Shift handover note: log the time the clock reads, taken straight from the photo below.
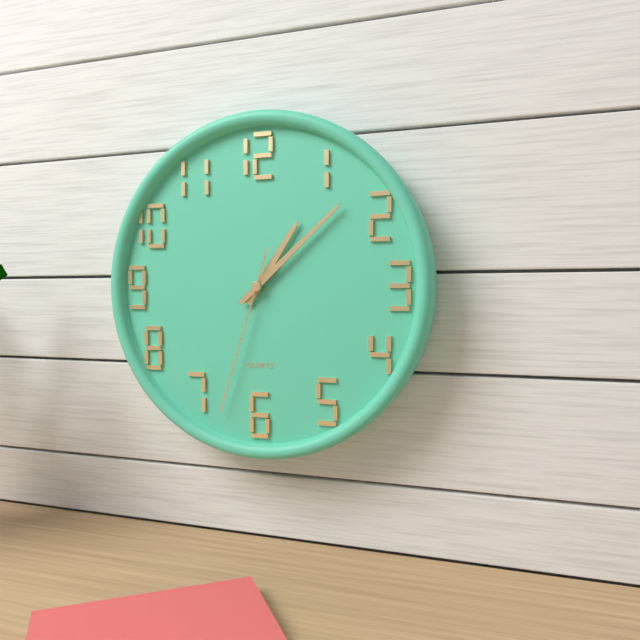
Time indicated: 1:08:33
